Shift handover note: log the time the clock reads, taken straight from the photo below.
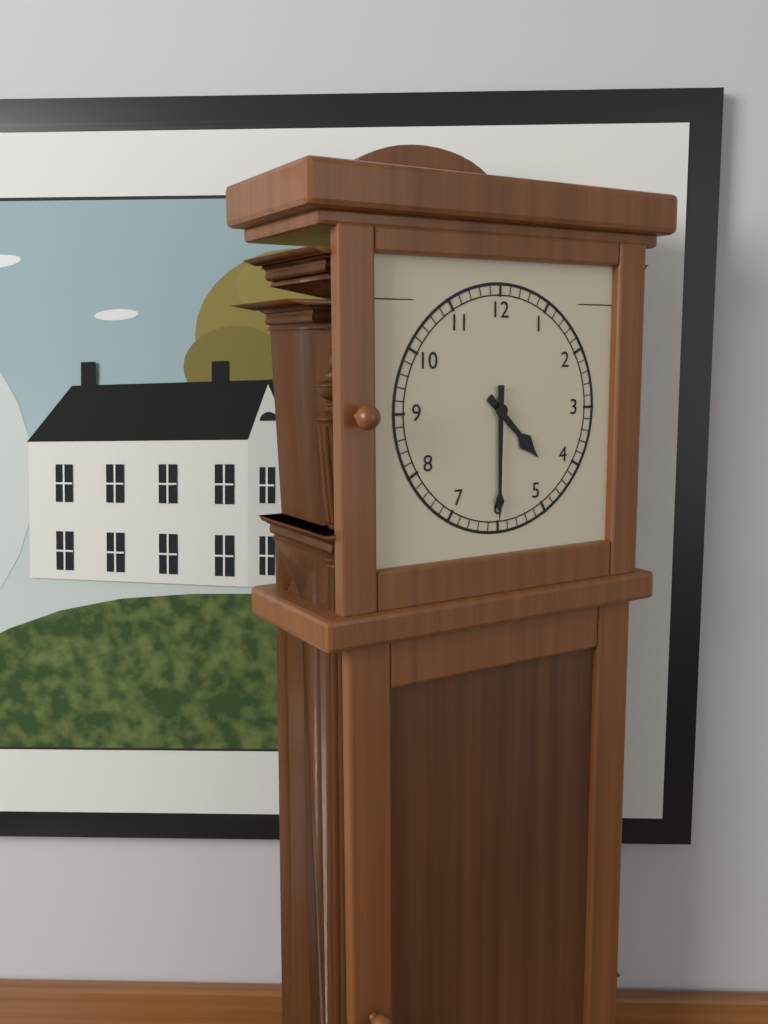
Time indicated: 4:30
